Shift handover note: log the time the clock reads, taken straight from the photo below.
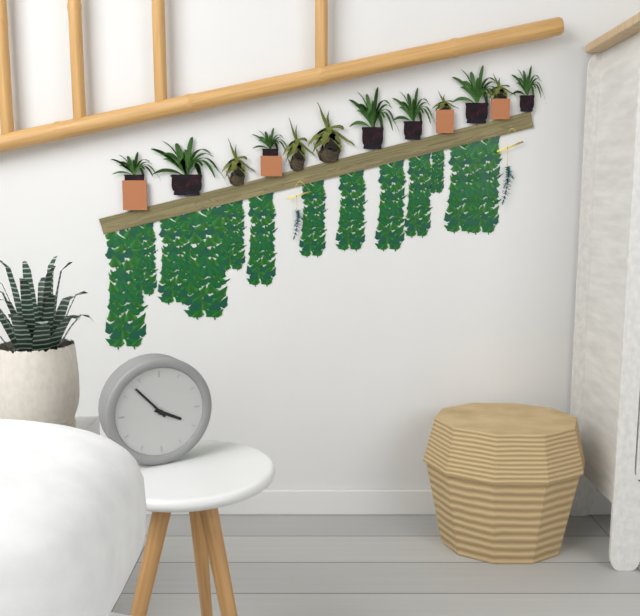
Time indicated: 3:53
